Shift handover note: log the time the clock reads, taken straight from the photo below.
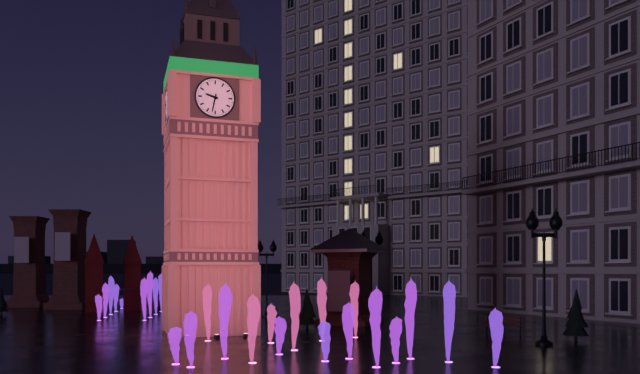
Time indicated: 9:32
